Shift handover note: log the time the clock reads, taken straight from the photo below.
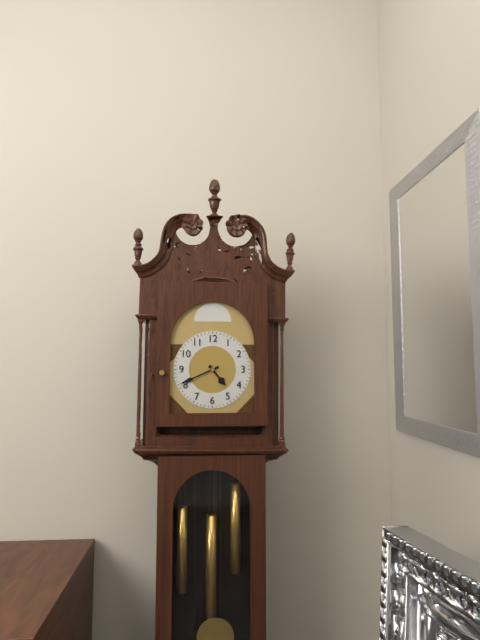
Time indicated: 4:41
